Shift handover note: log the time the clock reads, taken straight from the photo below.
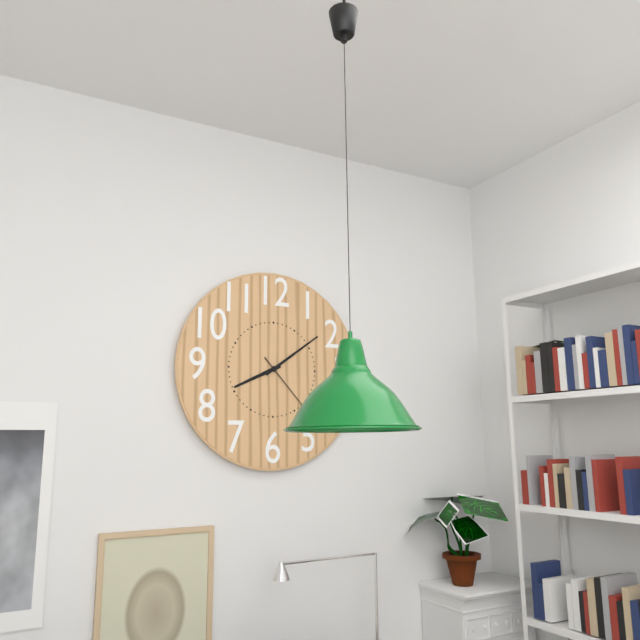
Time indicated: 8:09
